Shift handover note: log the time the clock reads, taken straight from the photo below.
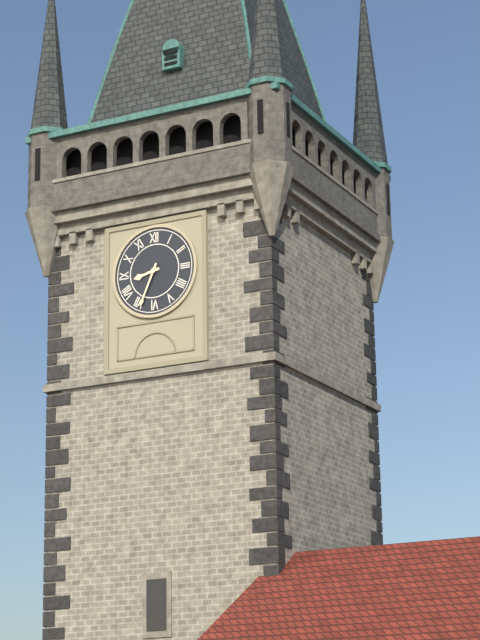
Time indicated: 8:34
